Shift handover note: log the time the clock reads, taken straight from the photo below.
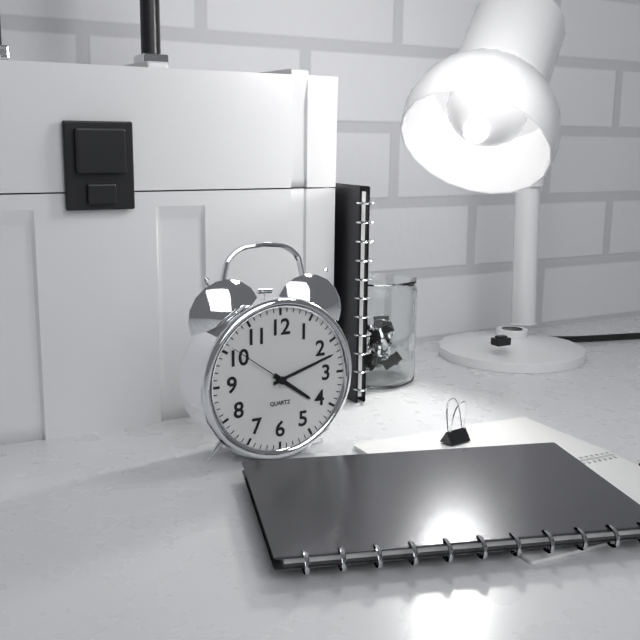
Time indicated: 4:12:51
